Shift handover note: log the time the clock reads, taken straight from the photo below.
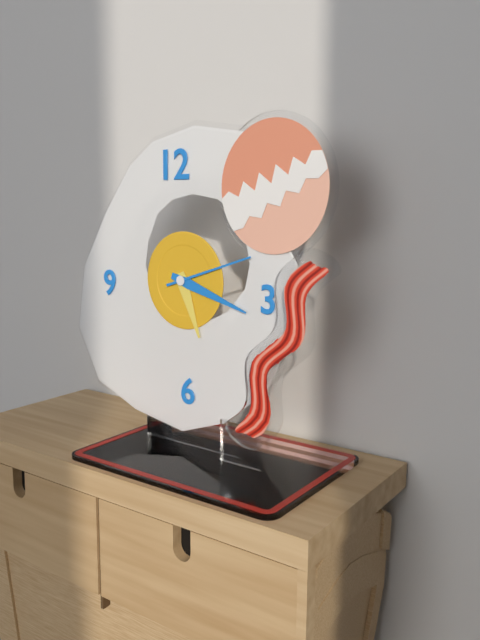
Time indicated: 5:18:12
